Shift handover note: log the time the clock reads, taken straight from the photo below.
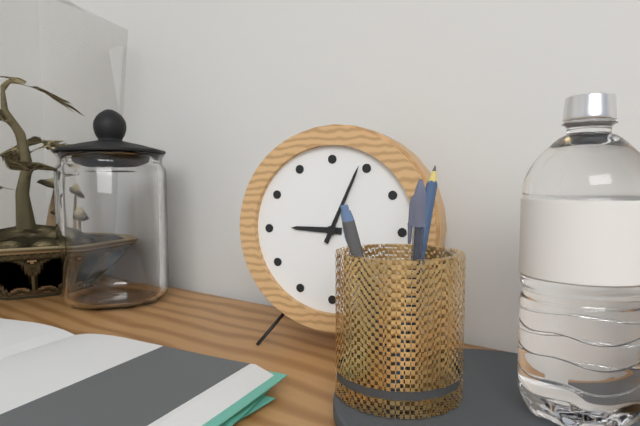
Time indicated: 9:04
